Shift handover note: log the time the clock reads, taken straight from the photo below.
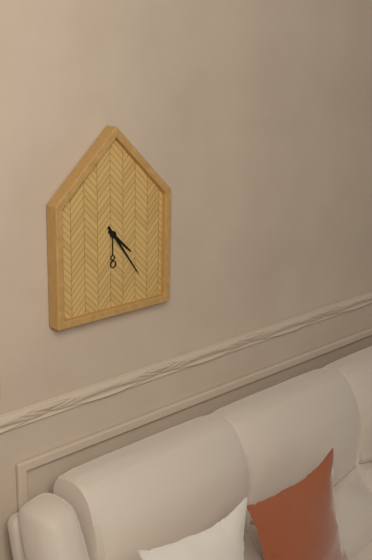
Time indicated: 4:24
